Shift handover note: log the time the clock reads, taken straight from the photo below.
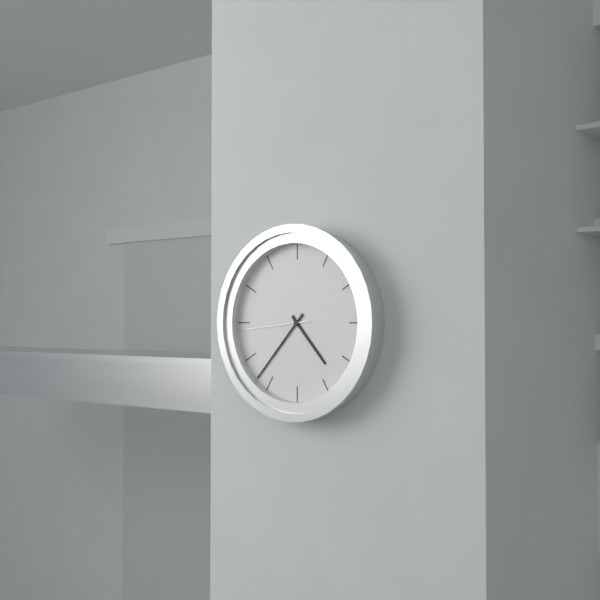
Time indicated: 4:37:44
